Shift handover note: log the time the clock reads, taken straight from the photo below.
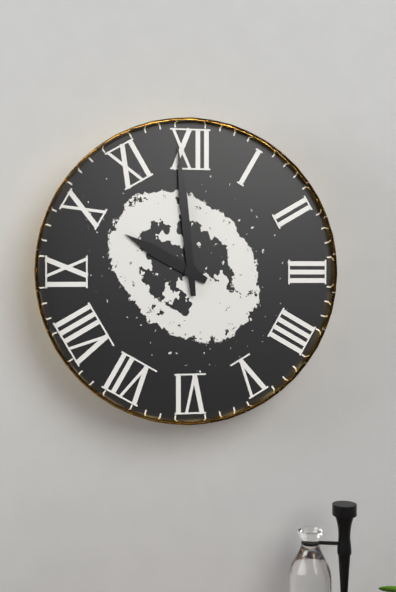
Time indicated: 9:59
